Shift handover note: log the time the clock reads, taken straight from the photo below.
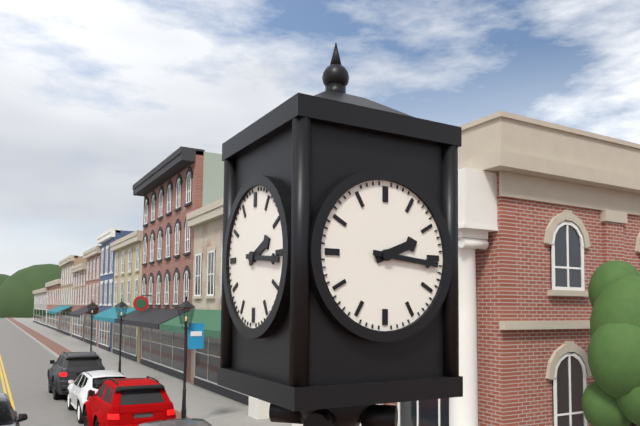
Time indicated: 2:16
